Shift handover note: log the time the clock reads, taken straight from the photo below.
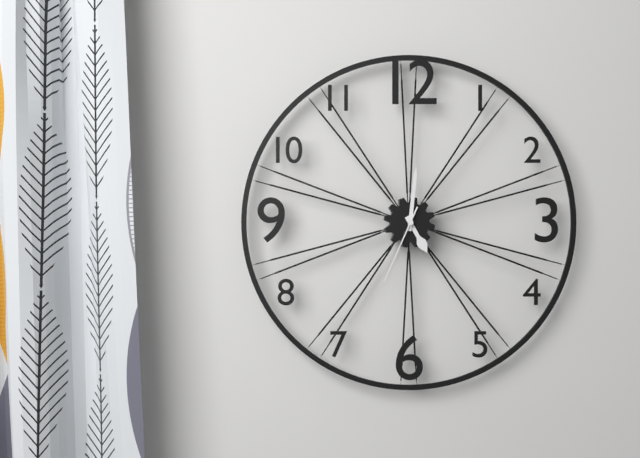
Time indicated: 5:01:34
